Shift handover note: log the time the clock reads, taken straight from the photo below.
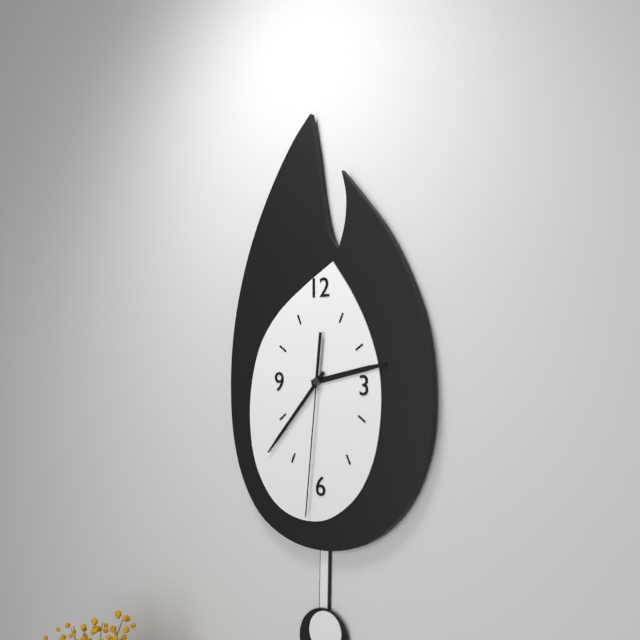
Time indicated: 2:37:31
